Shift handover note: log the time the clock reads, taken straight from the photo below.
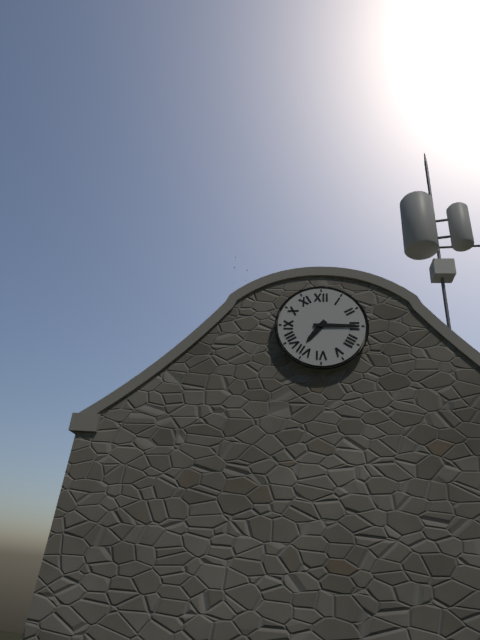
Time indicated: 7:15
